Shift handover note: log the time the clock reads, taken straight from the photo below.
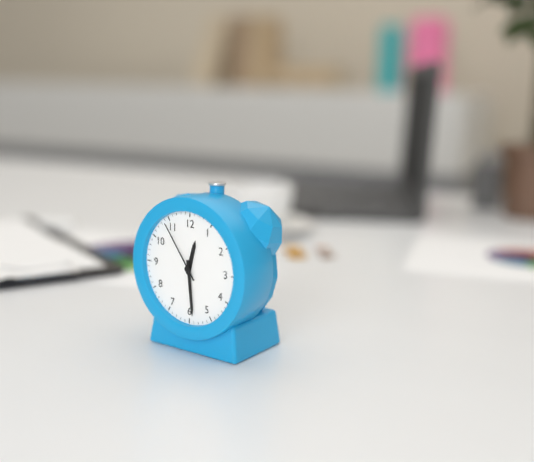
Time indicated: 12:29:54
